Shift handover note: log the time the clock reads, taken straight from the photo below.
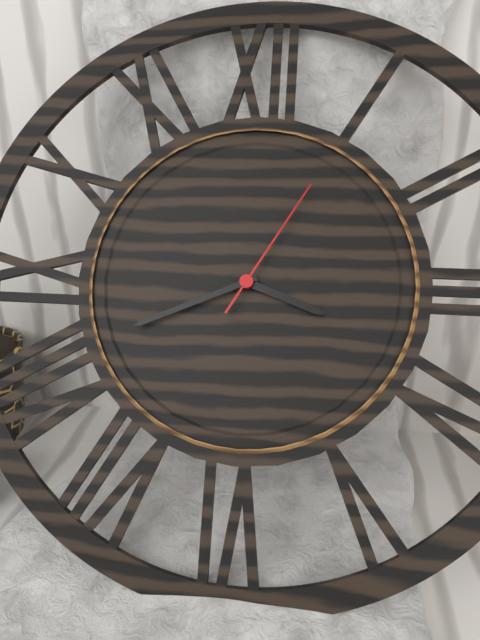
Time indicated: 3:41:05
